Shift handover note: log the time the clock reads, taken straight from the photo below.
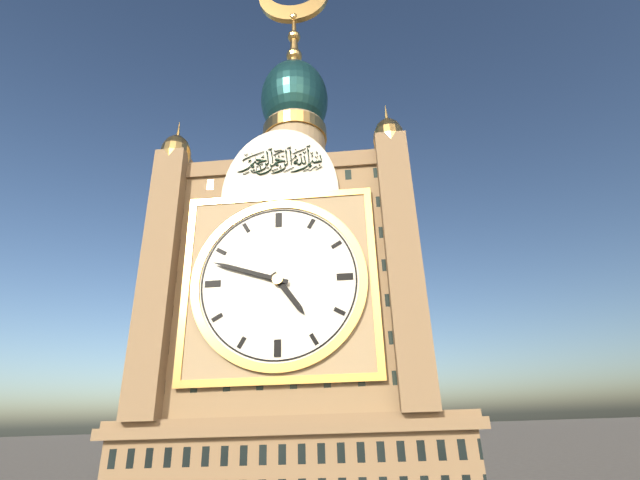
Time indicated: 4:48
